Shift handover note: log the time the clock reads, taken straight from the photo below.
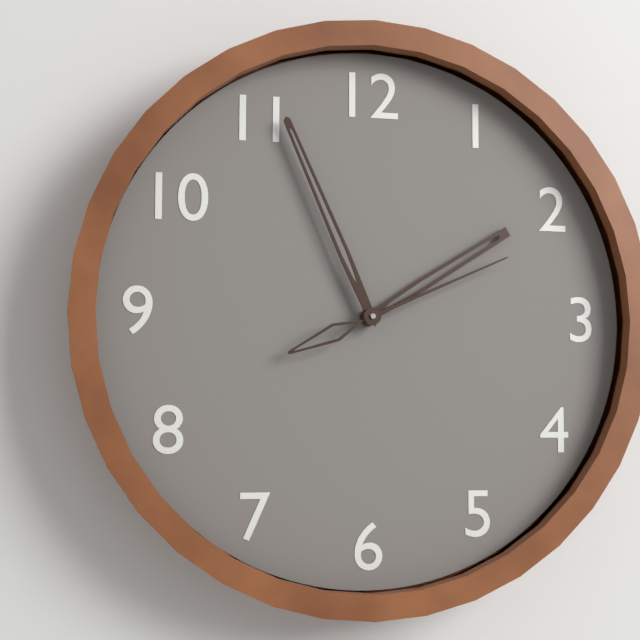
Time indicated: 1:56:11
